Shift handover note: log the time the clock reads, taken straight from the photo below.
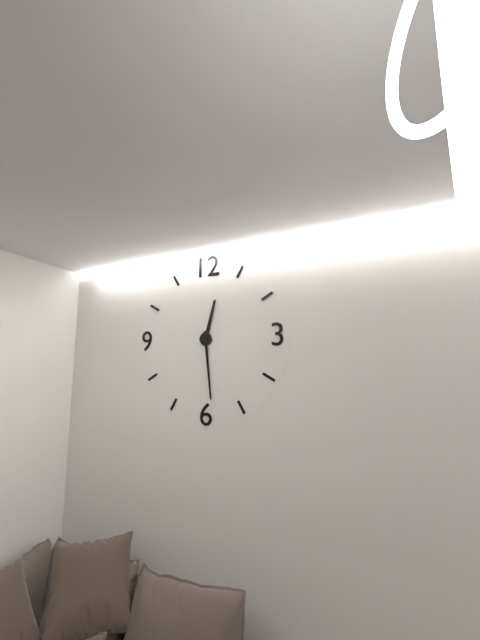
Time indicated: 12:29
